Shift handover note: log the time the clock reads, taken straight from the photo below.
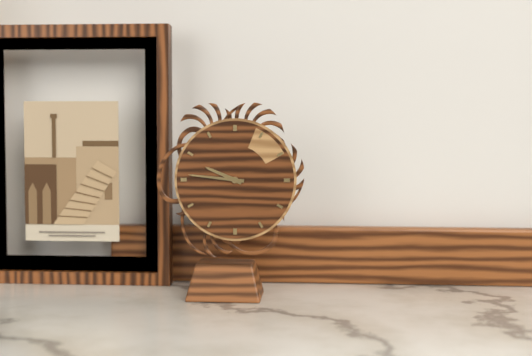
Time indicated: 9:46
